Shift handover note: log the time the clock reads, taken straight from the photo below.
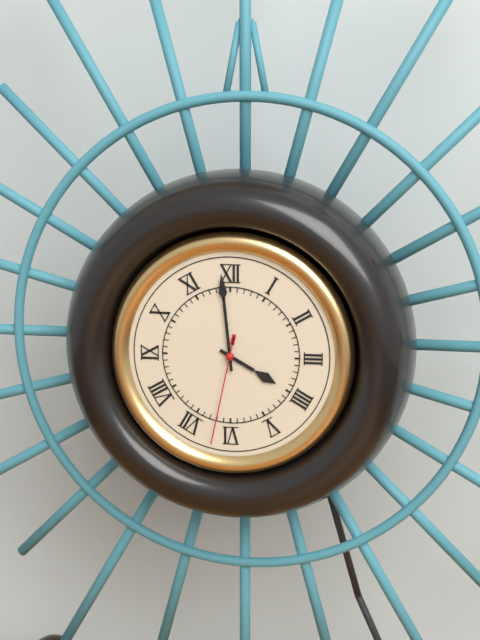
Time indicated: 3:59:32
